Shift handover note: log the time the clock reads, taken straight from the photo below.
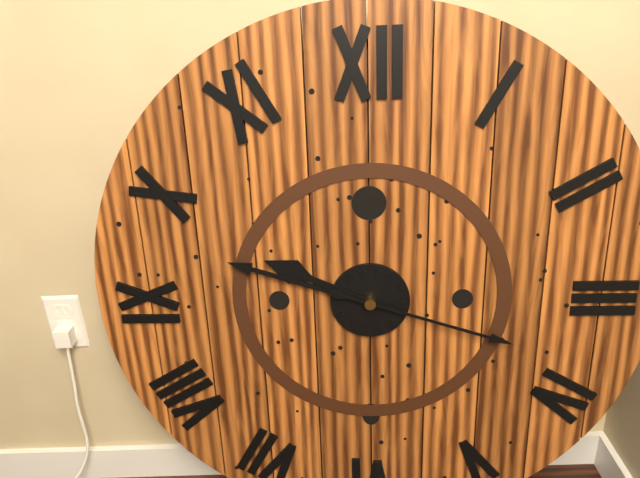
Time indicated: 9:48:18
